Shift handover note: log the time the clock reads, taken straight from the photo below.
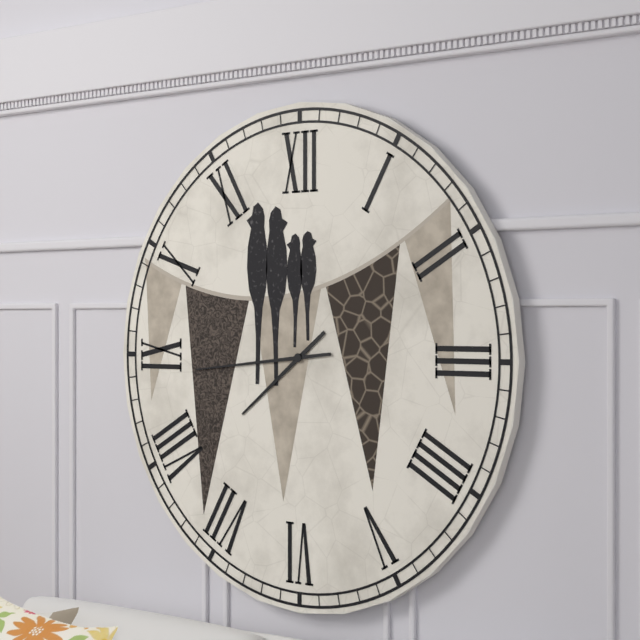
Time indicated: 7:44
